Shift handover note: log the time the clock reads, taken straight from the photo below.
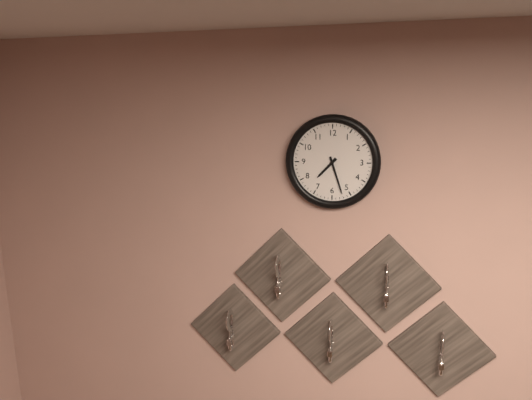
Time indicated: 7:27
